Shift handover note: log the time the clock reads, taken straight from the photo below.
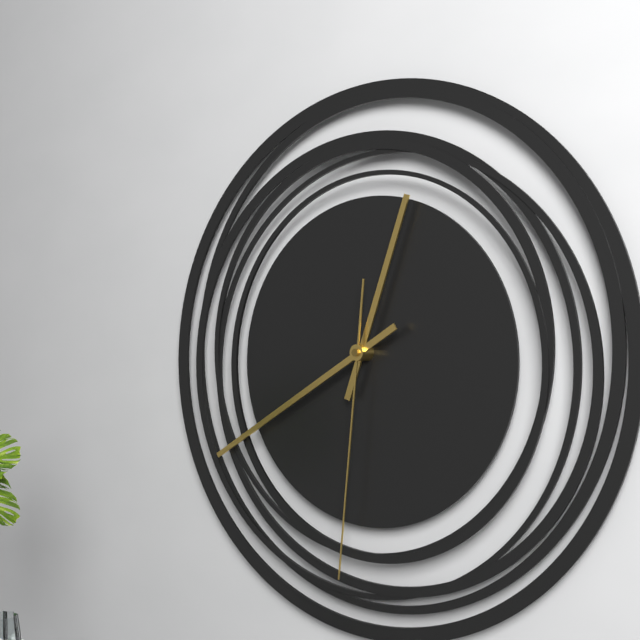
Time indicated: 12:40:31
